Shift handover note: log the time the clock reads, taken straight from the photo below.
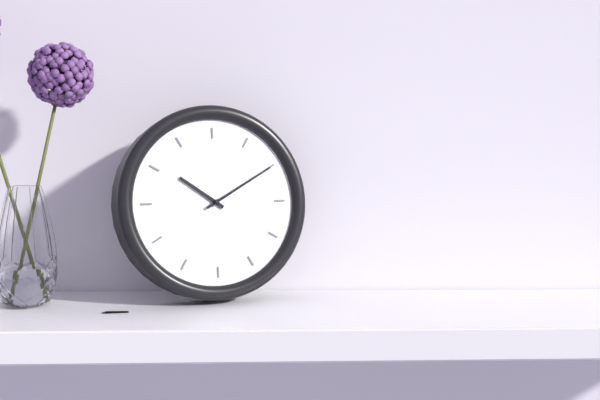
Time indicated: 10:10
